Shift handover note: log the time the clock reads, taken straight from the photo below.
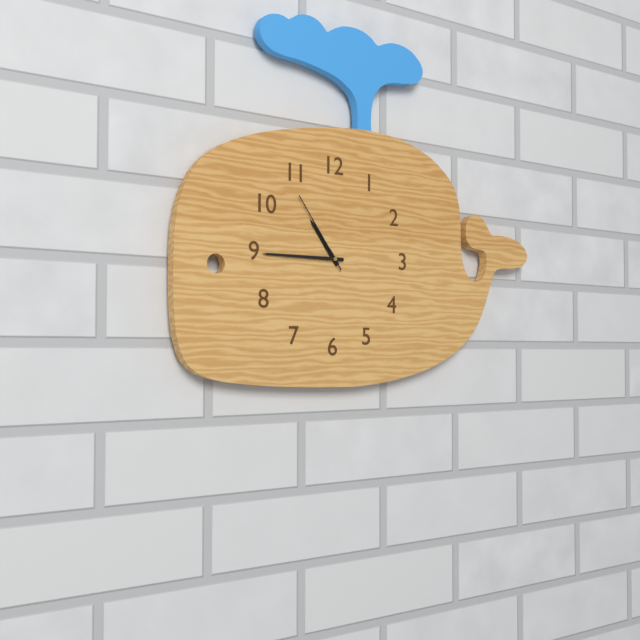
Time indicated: 10:45:54
